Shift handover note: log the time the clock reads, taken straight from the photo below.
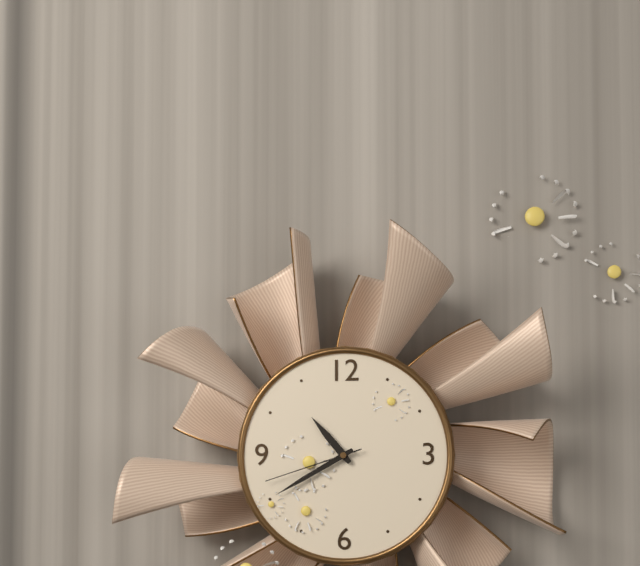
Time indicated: 10:40:42
